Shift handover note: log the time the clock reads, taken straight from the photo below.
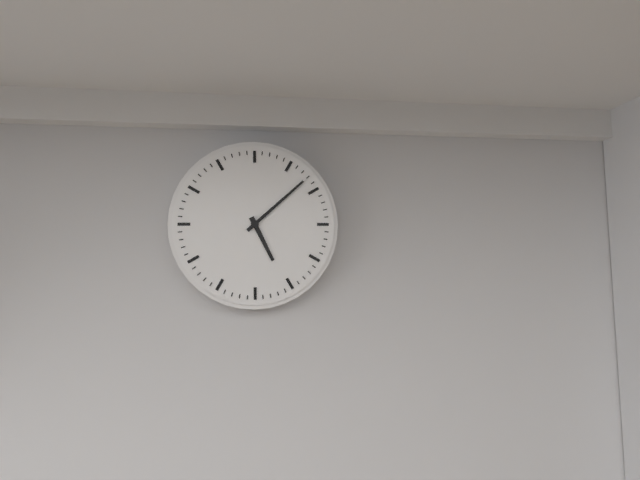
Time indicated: 5:08
